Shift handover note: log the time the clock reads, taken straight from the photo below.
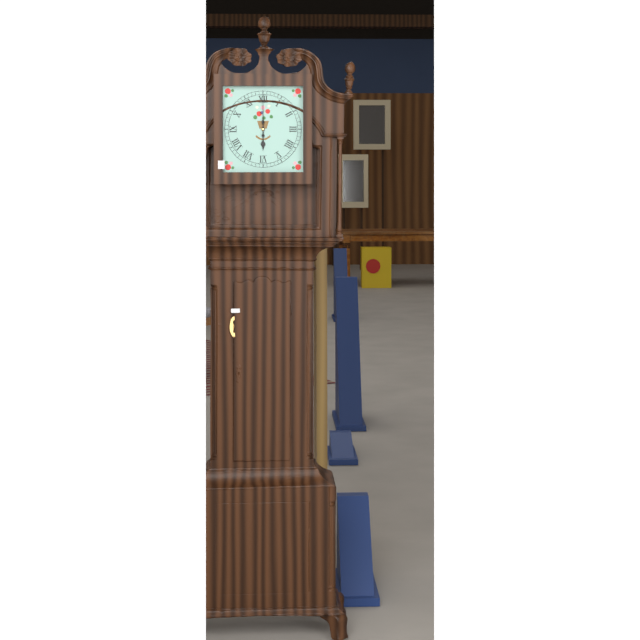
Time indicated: 6:00
